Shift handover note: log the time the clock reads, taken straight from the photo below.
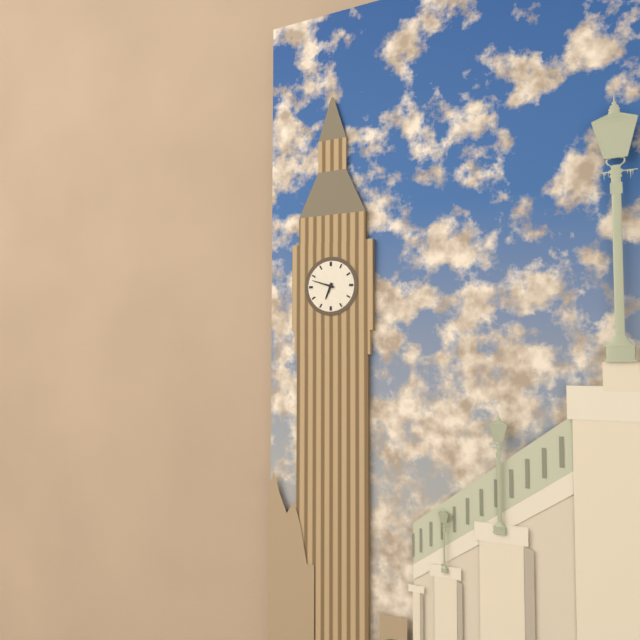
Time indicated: 6:48
